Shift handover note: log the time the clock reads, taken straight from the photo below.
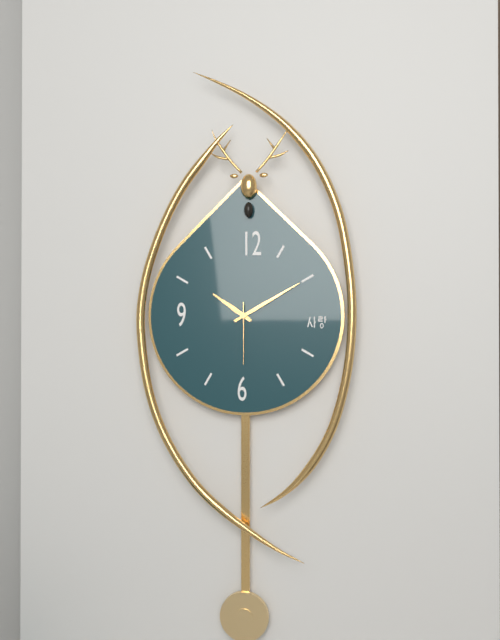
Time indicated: 10:10:30
